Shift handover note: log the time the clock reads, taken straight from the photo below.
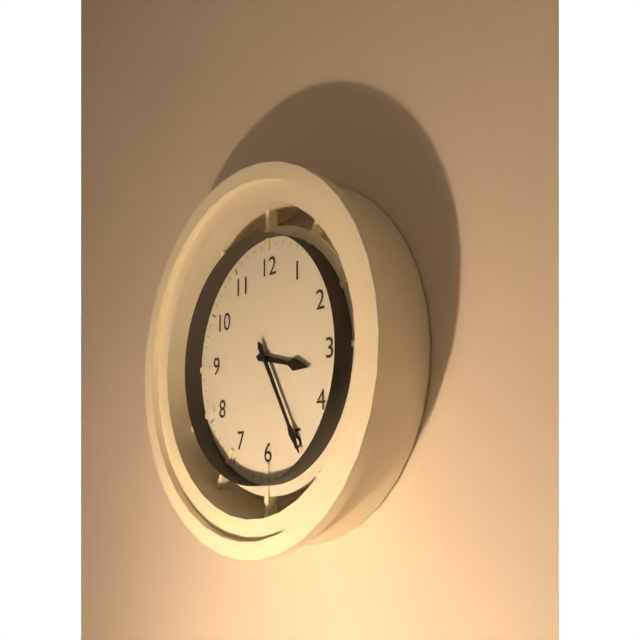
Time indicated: 3:25
